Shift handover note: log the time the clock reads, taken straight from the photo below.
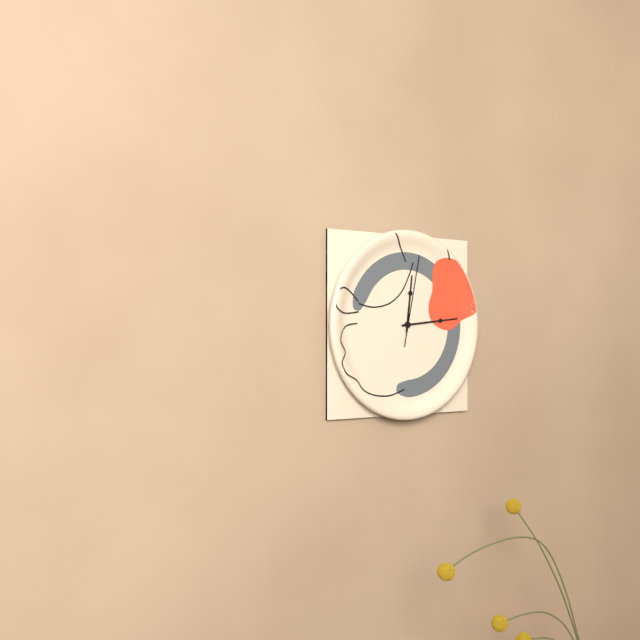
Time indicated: 12:14:02
